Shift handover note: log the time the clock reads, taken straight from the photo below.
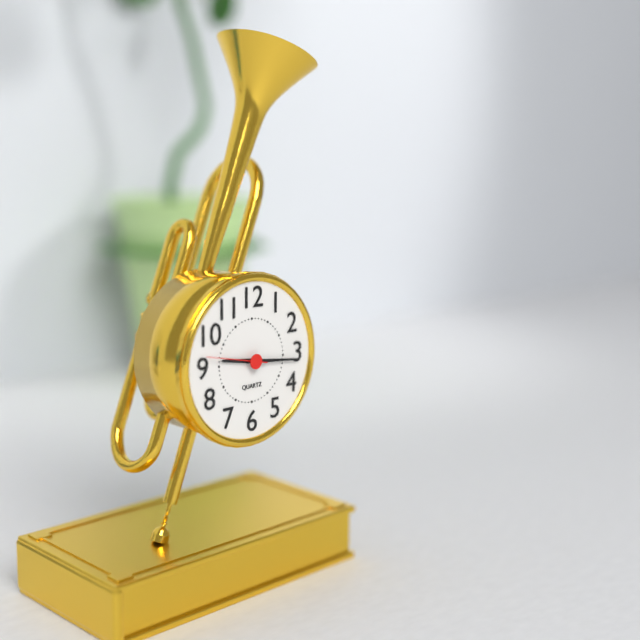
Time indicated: 9:16:47
